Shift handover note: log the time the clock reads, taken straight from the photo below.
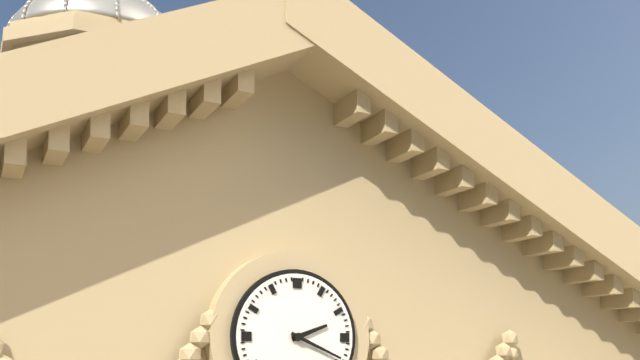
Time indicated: 2:19
